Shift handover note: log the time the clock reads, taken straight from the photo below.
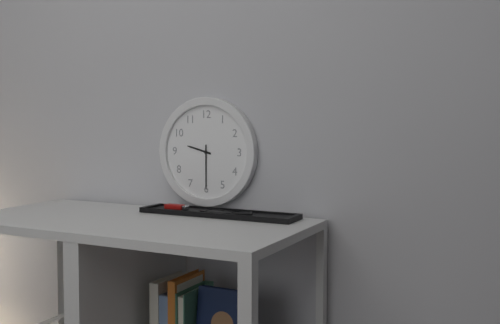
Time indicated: 9:30
